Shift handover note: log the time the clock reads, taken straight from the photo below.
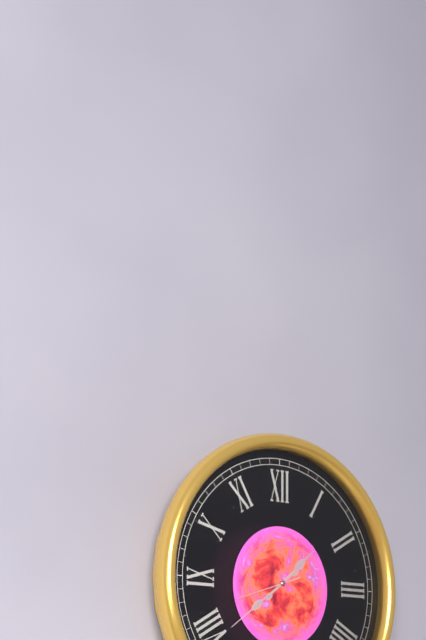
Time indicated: 1:39:42
